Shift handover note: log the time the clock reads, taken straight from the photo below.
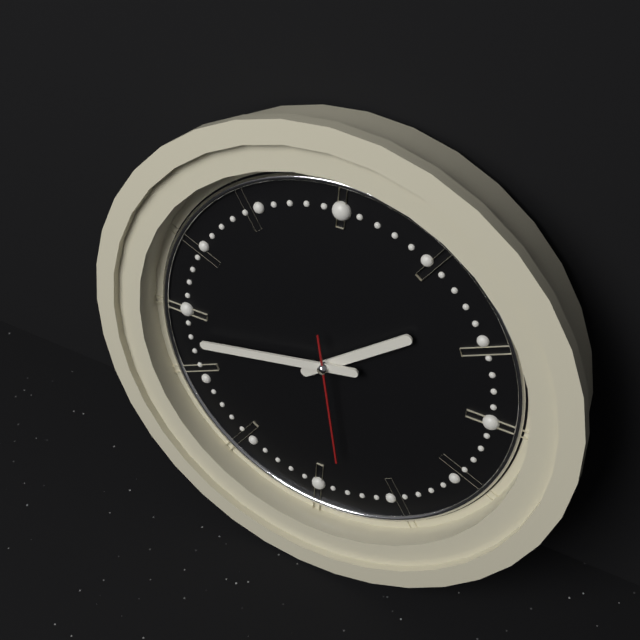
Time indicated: 1:43:28
